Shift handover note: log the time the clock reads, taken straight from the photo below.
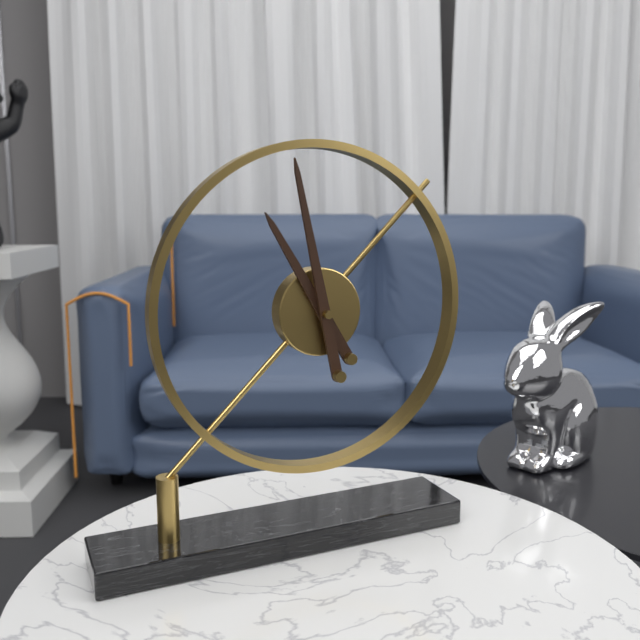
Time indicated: 10:58
